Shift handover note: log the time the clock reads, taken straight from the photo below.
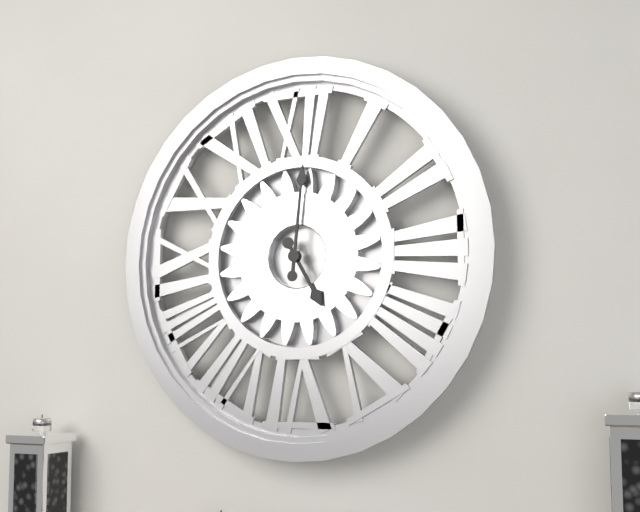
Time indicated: 5:01
